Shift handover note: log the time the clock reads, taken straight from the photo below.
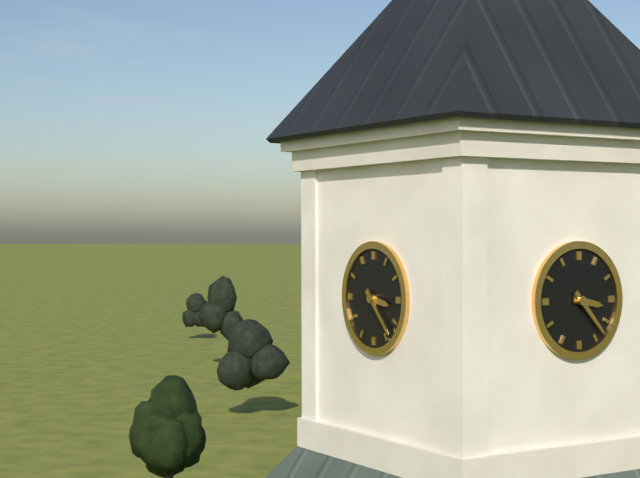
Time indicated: 3:23
